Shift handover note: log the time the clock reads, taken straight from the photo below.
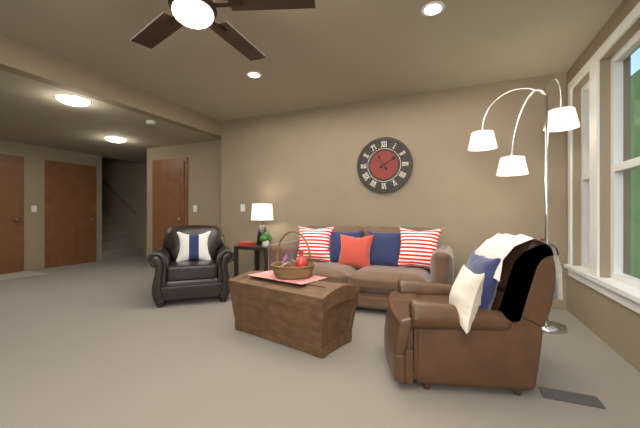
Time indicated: 1:55
